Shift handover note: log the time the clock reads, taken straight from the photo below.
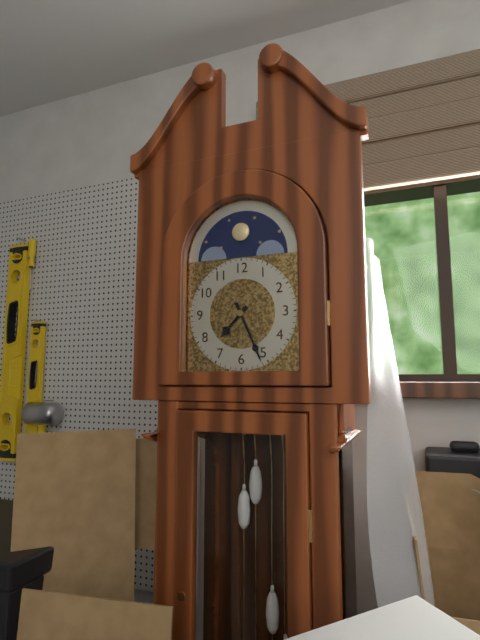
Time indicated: 7:26
